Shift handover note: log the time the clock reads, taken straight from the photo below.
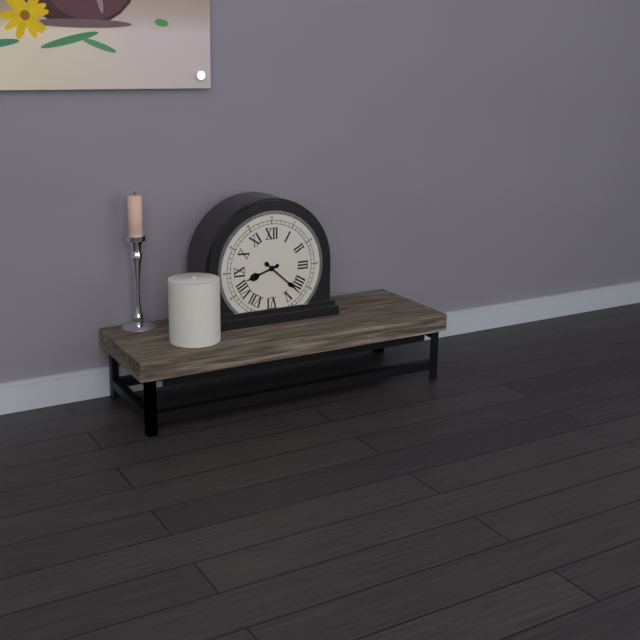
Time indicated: 8:22
